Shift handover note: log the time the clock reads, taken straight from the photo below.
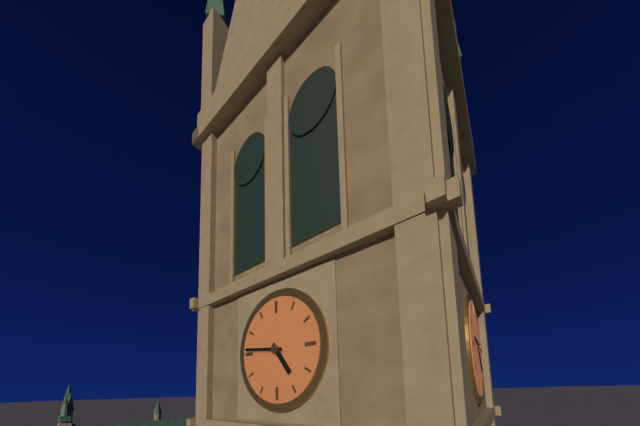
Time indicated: 4:46
